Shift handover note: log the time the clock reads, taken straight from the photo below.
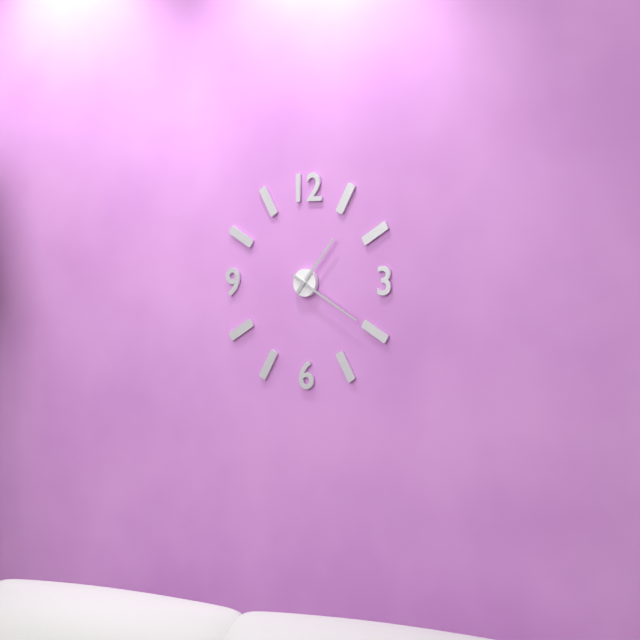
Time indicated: 1:20
